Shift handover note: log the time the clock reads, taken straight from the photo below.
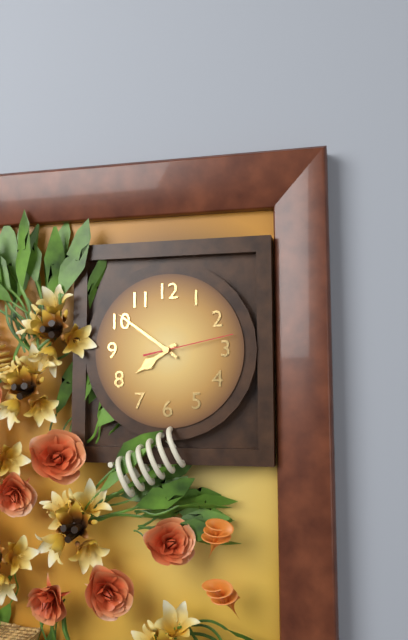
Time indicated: 7:51:13
